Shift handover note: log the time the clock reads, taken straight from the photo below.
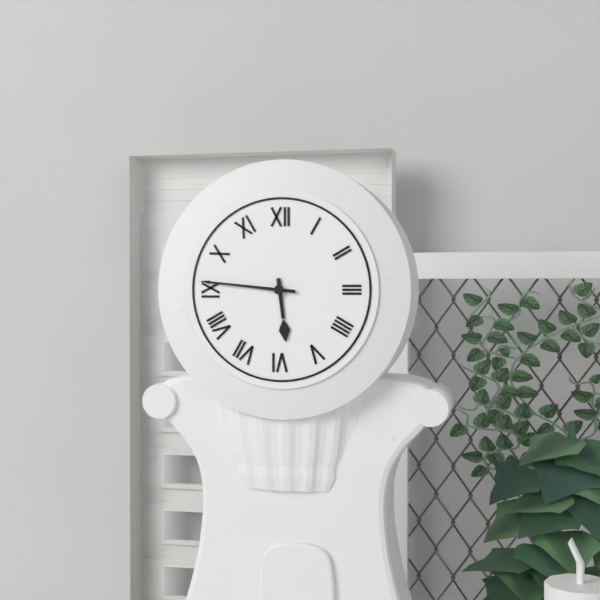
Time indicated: 5:46
